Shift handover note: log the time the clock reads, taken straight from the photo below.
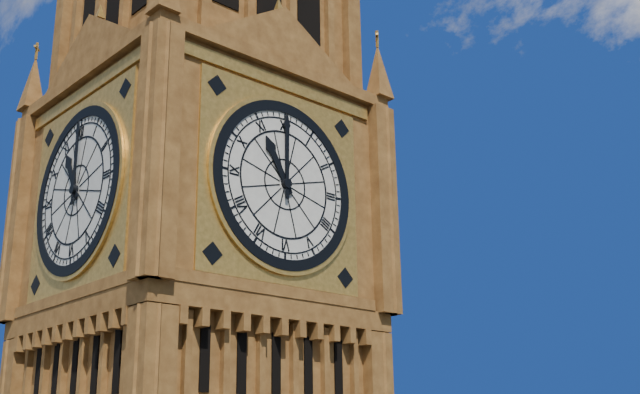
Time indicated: 11:00
